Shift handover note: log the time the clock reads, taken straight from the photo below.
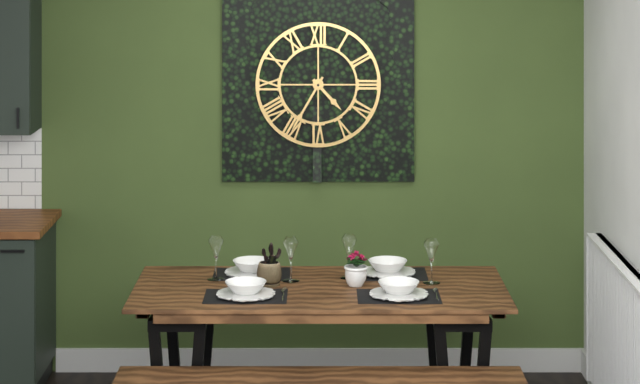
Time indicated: 4:35
